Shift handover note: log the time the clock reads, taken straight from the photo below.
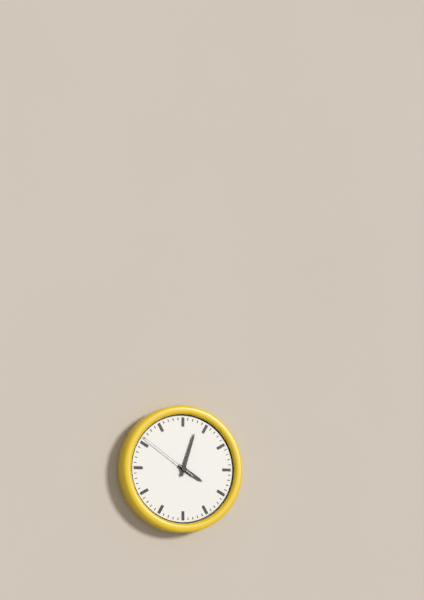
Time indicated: 4:03:51
